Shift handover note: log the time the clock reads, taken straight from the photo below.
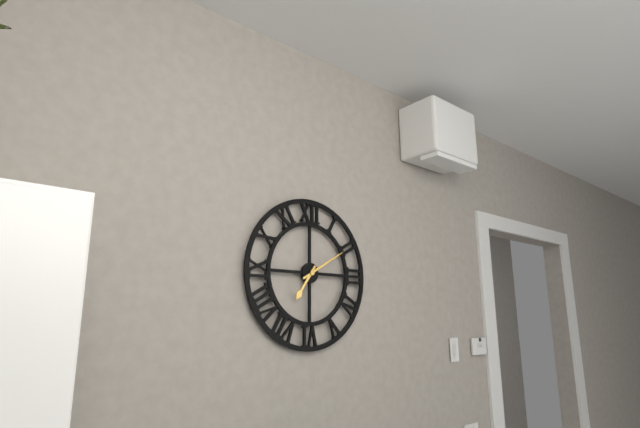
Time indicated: 7:10
